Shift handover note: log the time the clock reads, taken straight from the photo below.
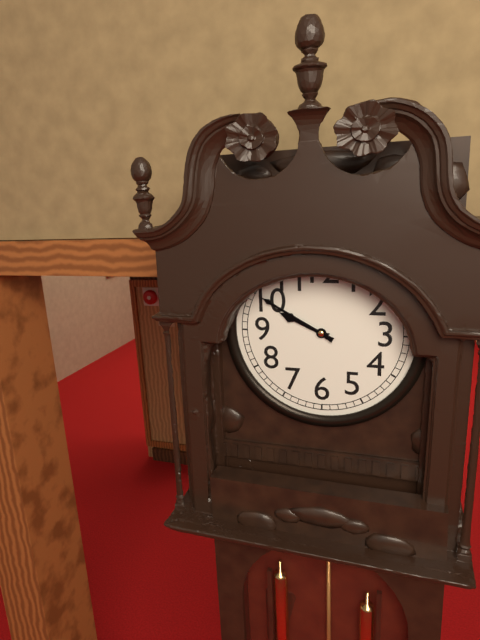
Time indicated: 9:50
